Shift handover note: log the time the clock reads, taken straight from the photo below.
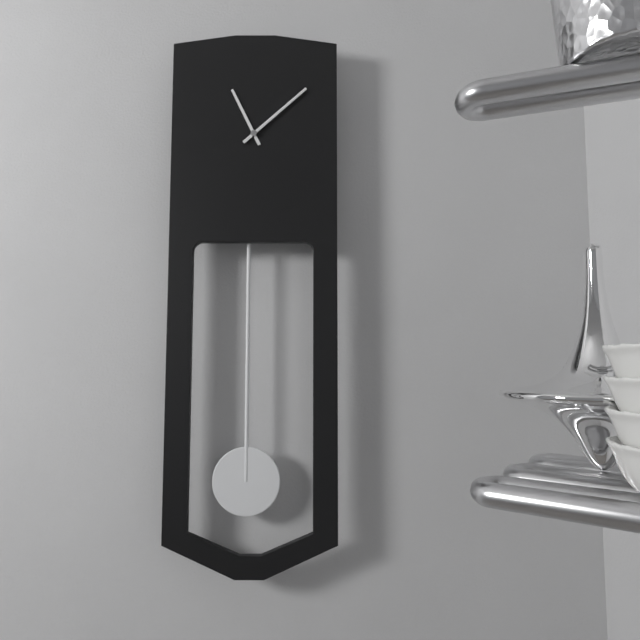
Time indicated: 11:08
